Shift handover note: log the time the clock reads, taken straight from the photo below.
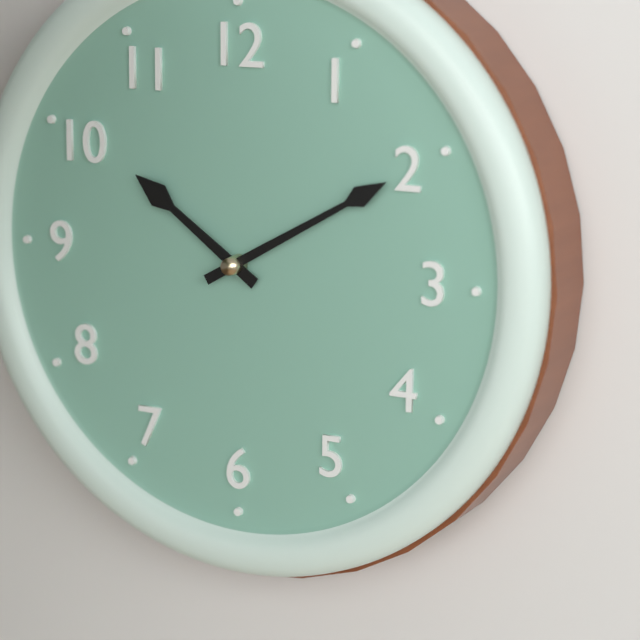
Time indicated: 10:10
